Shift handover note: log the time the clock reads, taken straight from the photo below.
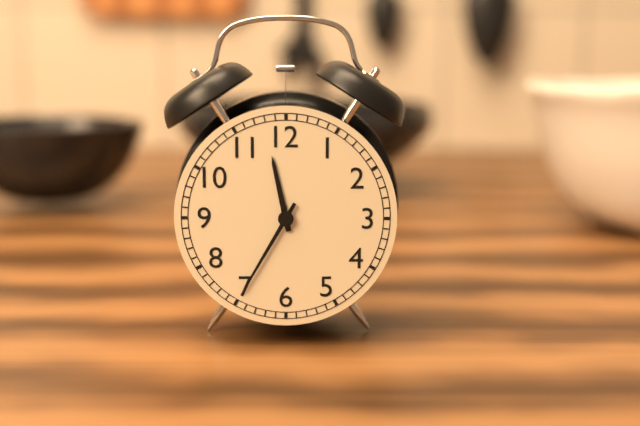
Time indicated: 11:35
